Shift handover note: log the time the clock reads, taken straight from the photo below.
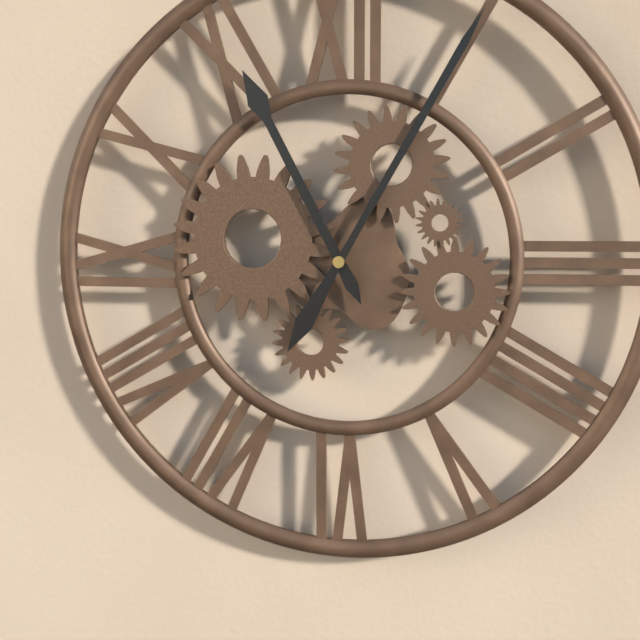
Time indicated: 11:05
